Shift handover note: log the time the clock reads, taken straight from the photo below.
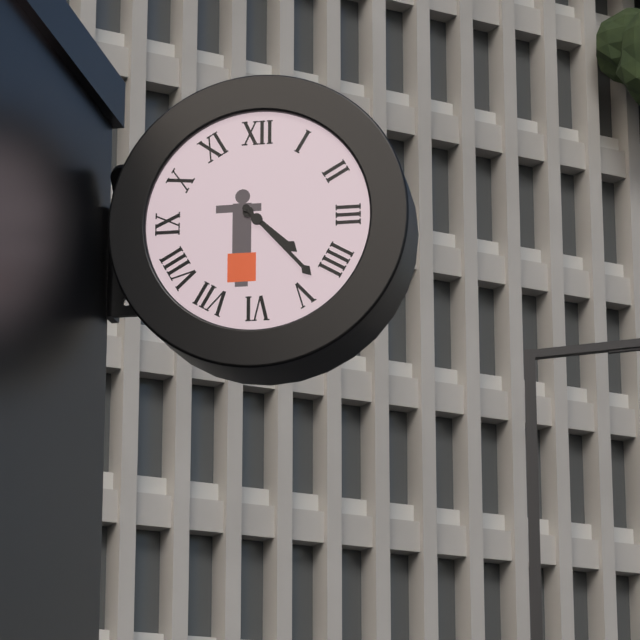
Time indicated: 4:23
